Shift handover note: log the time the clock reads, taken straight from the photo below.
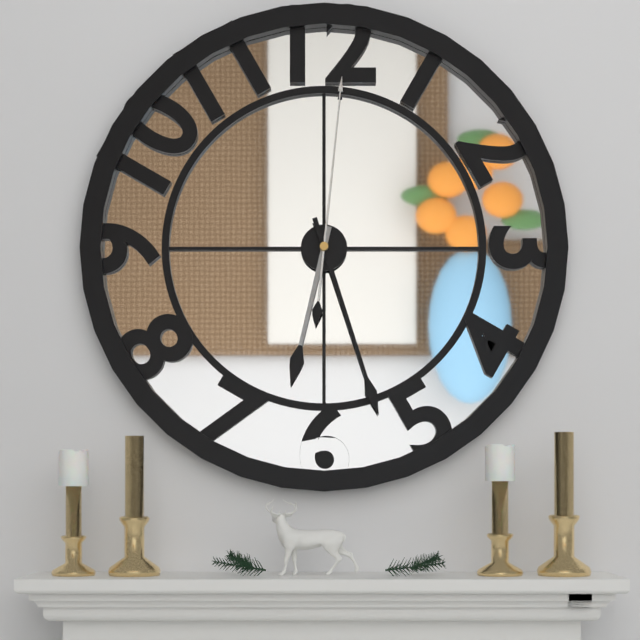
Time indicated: 6:27:01
